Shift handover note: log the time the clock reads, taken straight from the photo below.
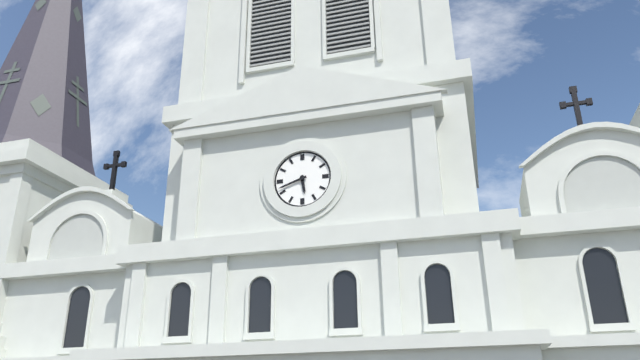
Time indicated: 5:42
